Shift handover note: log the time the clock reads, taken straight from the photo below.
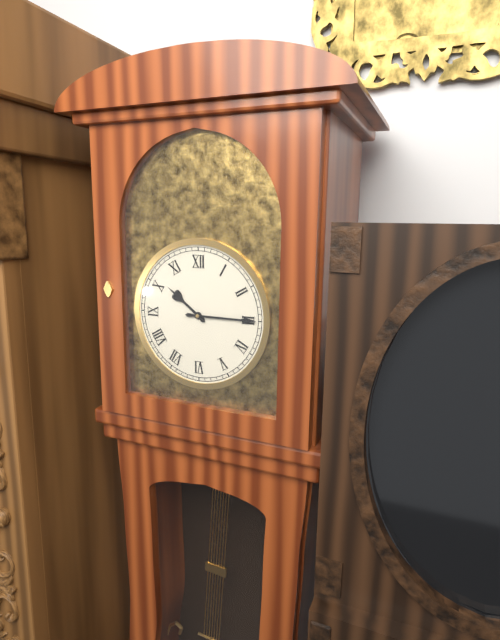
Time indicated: 10:15
